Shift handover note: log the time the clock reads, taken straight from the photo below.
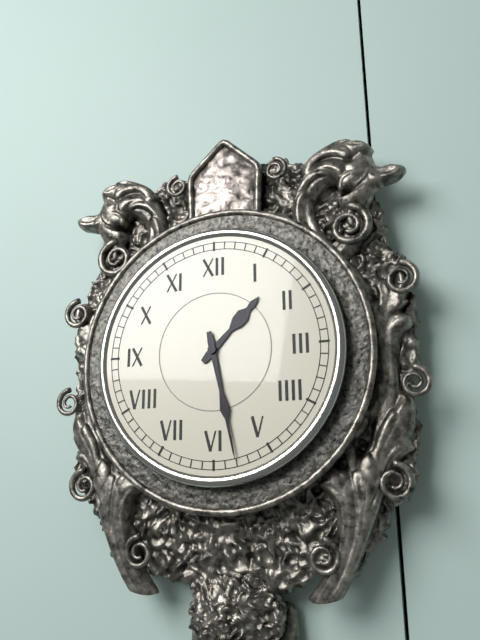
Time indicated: 1:28
